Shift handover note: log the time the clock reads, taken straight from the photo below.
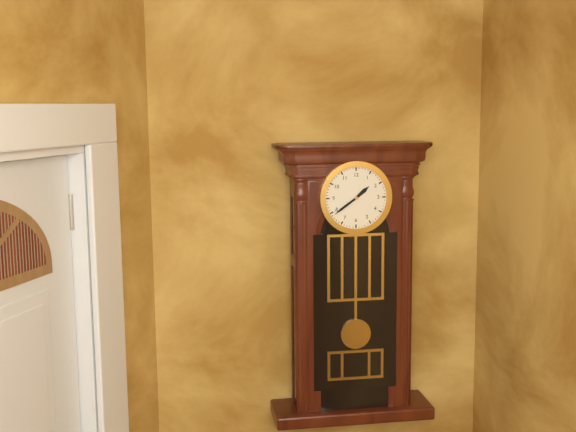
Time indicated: 1:39
